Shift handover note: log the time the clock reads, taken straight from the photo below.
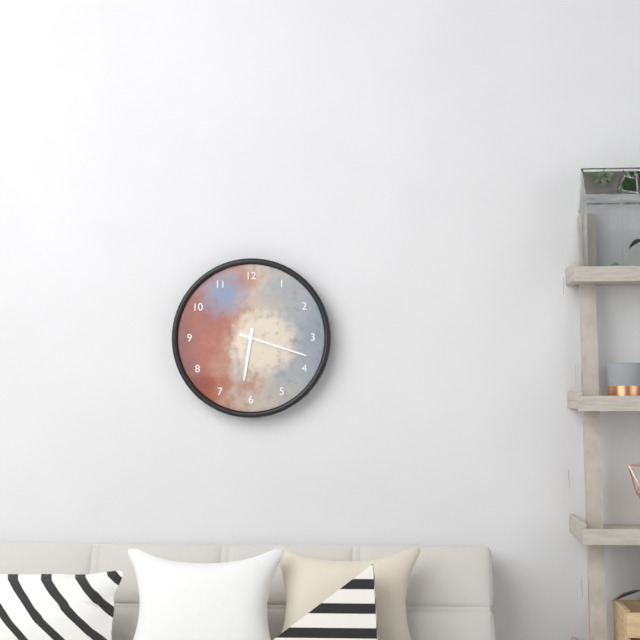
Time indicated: 6:18
